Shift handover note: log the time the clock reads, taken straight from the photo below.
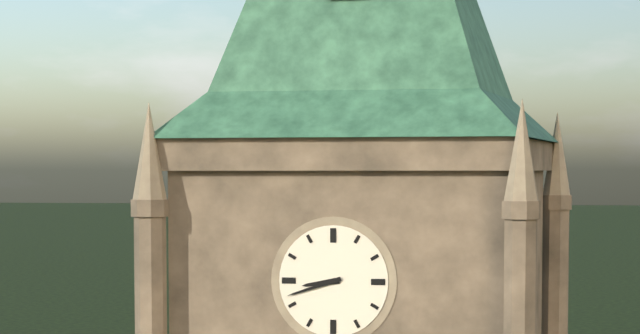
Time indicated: 8:42
